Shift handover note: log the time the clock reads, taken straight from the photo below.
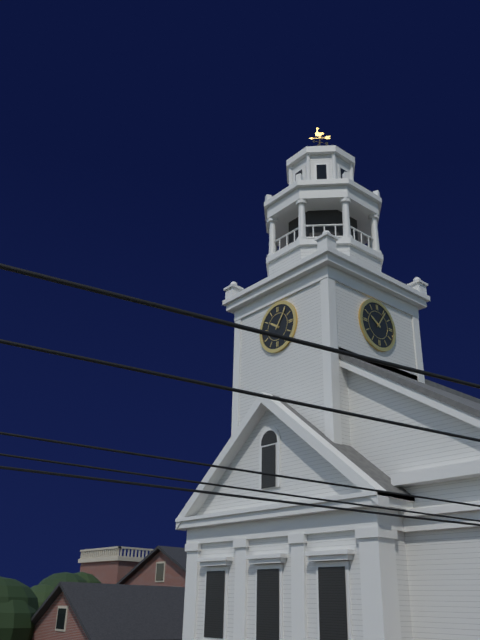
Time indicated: 10:06
